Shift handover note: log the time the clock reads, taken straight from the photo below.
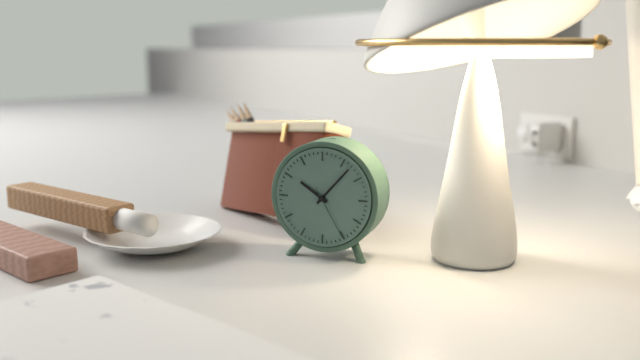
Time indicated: 10:07:25
